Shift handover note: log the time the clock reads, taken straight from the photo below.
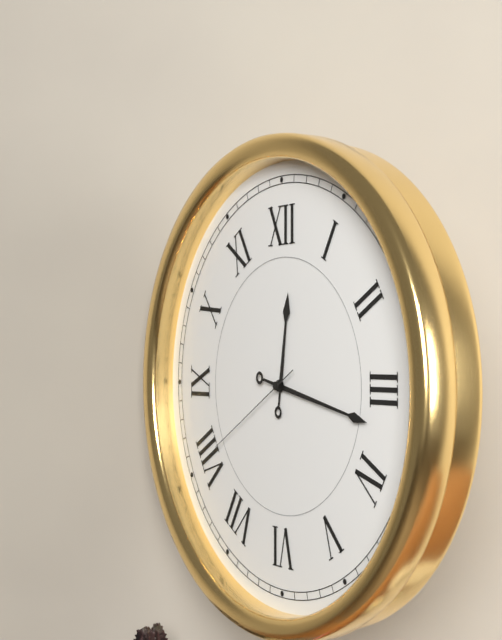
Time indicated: 12:17:40
